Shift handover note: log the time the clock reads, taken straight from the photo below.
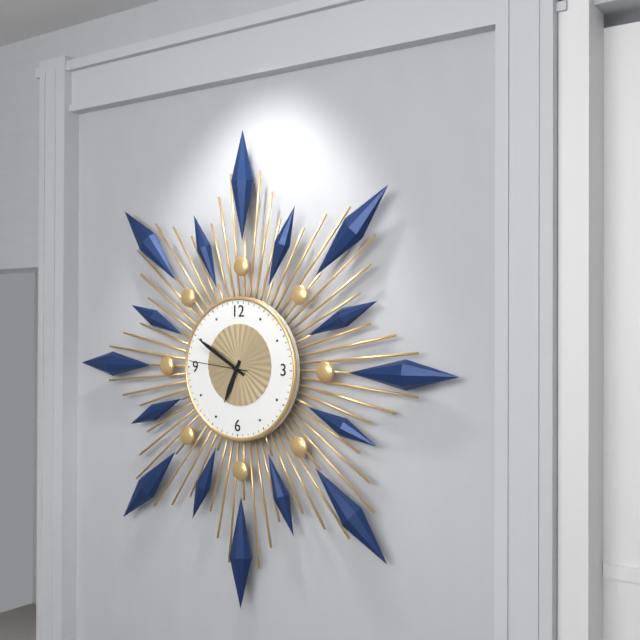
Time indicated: 6:50:46
